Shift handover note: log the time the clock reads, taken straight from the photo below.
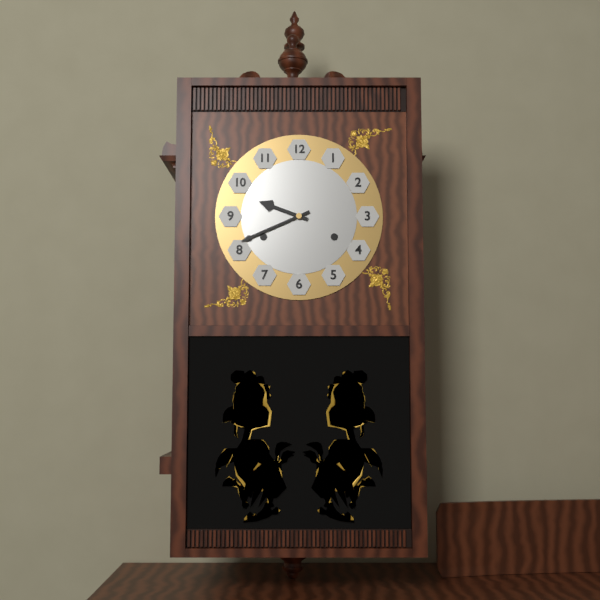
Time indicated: 9:41
